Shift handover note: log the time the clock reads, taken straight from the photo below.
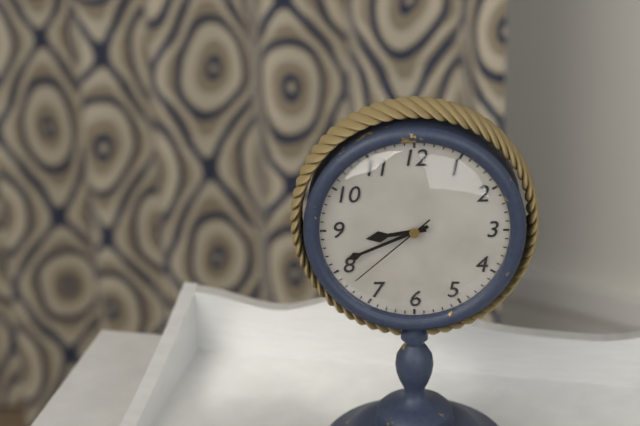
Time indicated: 8:41:38
